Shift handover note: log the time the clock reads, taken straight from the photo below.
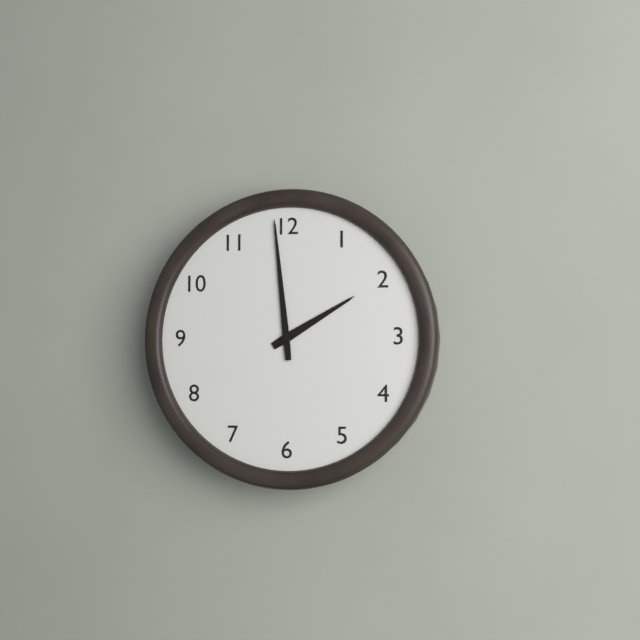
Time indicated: 1:59
